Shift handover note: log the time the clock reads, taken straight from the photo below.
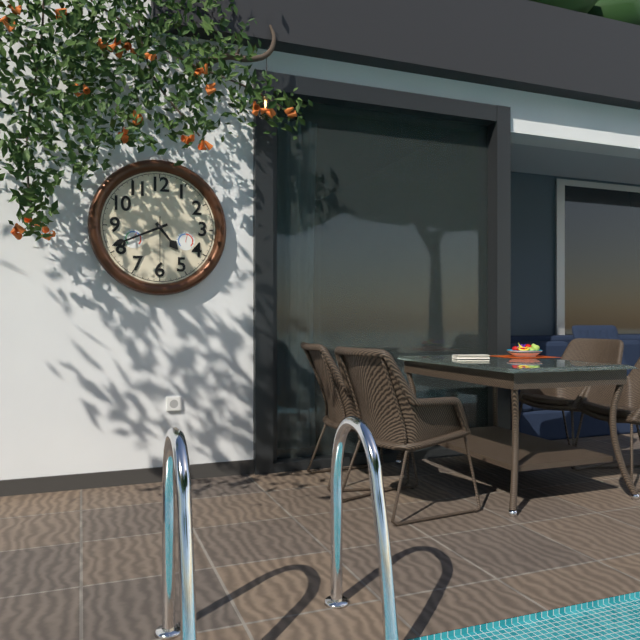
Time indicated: 4:41:30
